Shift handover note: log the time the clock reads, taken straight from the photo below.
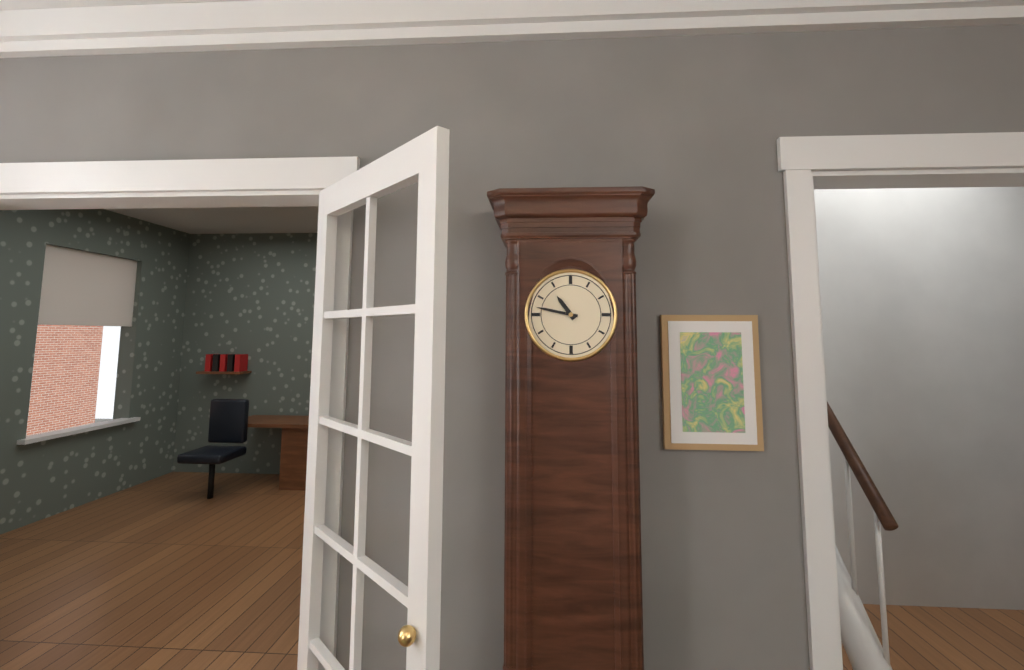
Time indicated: 10:47
